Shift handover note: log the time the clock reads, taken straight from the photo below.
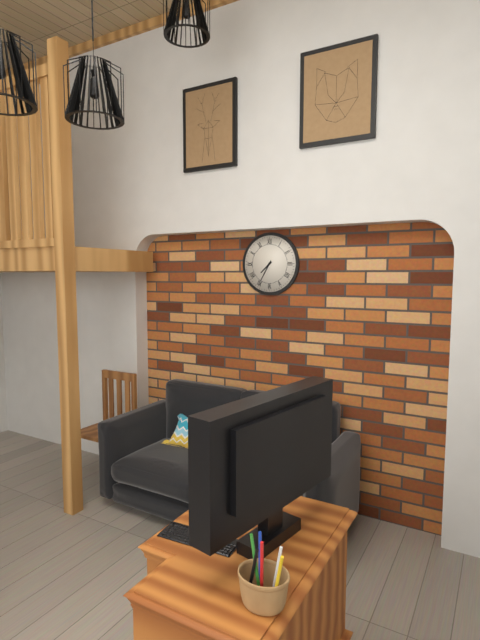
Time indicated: 7:35
